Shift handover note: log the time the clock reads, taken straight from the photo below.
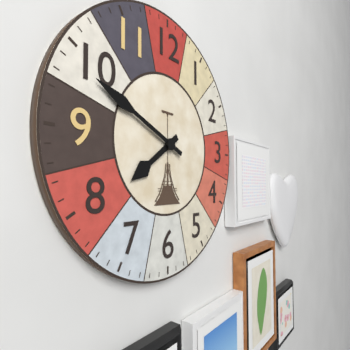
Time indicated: 7:49
